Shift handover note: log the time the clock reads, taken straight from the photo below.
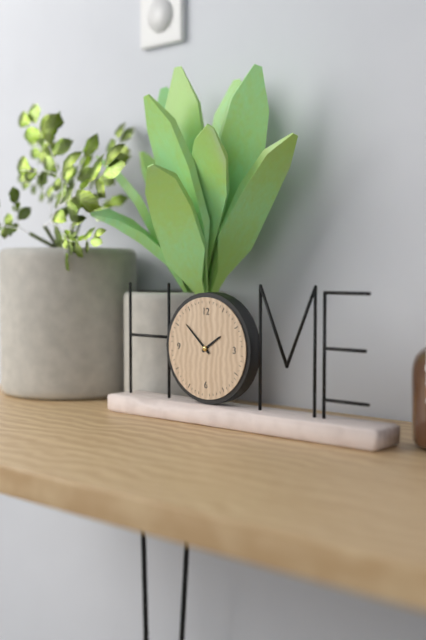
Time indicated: 1:52
